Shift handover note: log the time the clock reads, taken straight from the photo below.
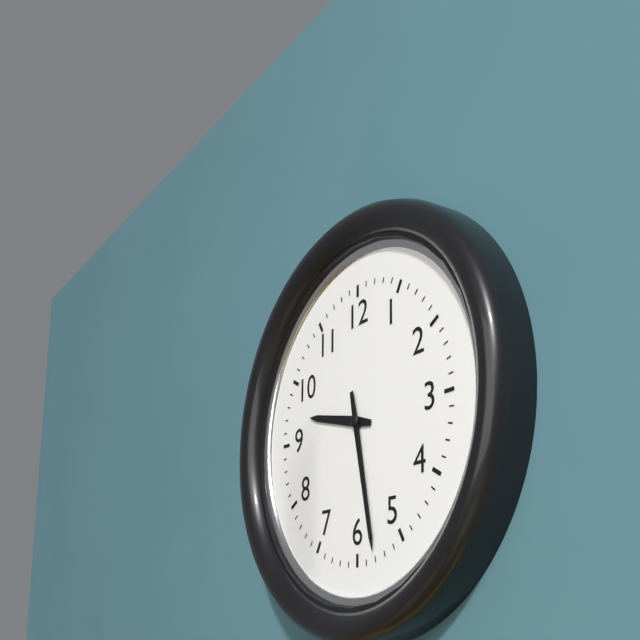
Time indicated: 9:28
